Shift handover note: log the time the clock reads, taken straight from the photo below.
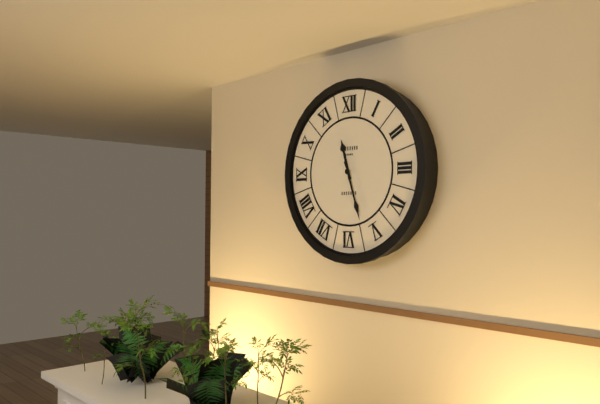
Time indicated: 11:27
